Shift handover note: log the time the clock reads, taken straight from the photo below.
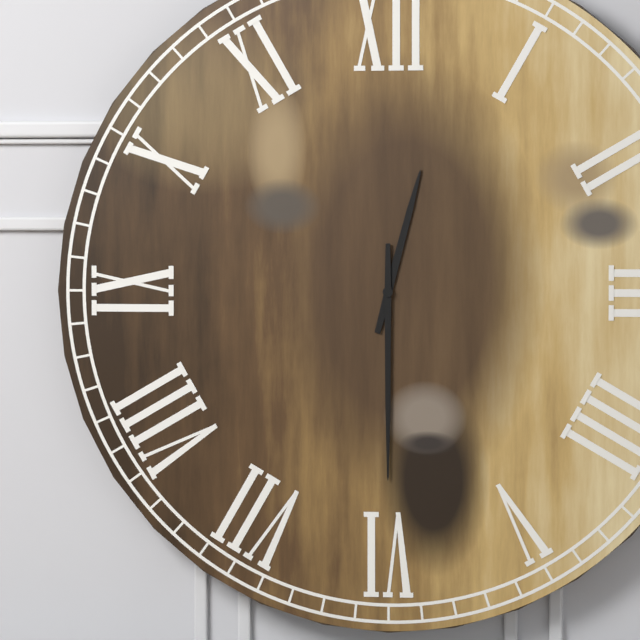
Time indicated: 12:30
